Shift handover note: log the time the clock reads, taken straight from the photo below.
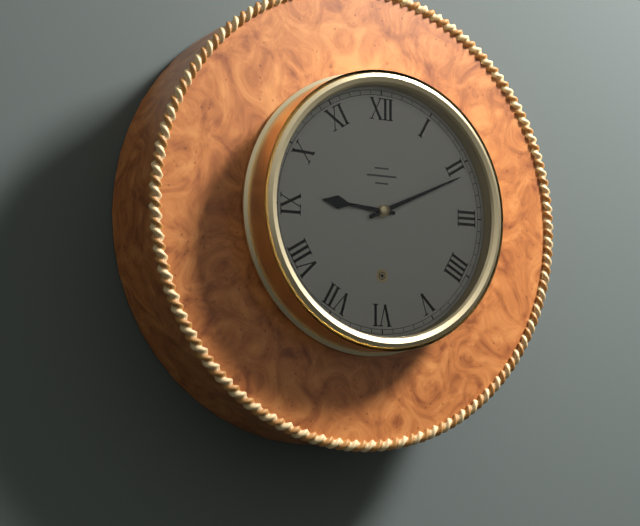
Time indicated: 9:11
